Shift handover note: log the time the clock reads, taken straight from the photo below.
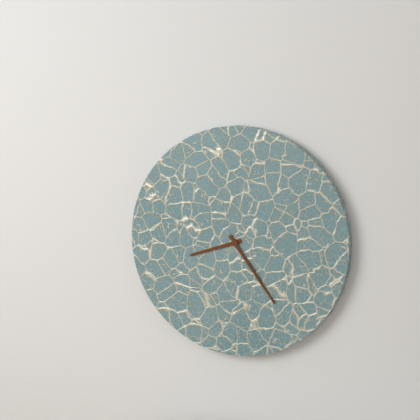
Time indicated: 8:24
